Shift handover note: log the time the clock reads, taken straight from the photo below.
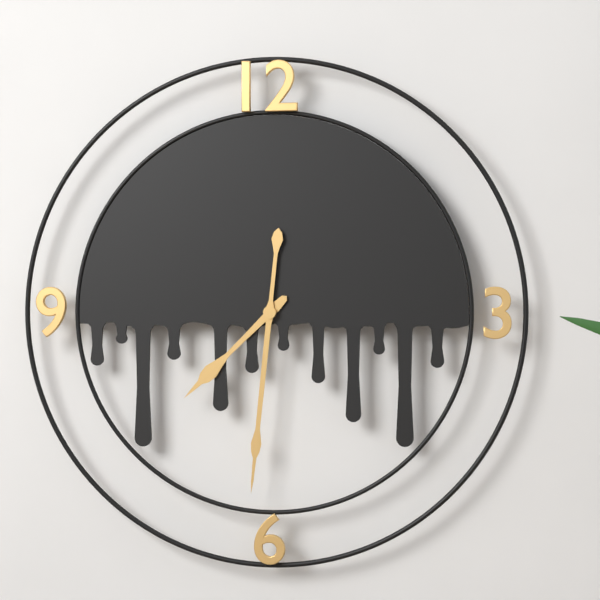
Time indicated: 7:31
